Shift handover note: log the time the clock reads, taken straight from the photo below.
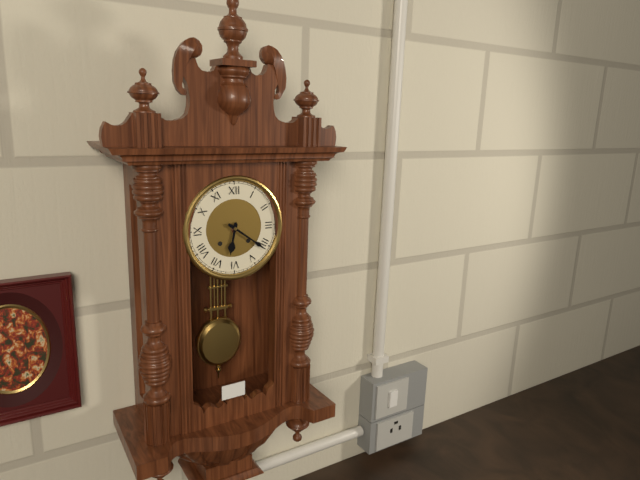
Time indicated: 6:21
